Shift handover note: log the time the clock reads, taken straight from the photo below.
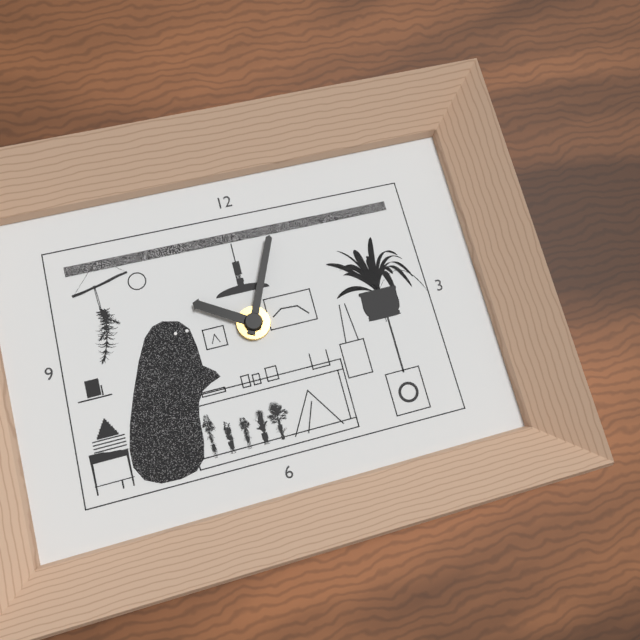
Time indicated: 10:04
